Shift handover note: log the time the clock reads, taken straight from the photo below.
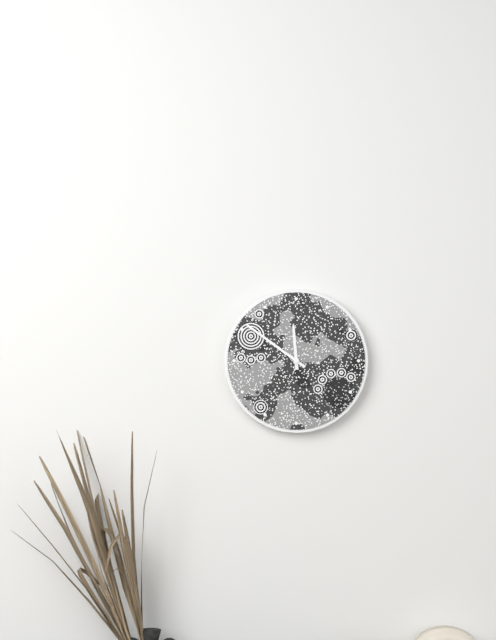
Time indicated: 11:51
